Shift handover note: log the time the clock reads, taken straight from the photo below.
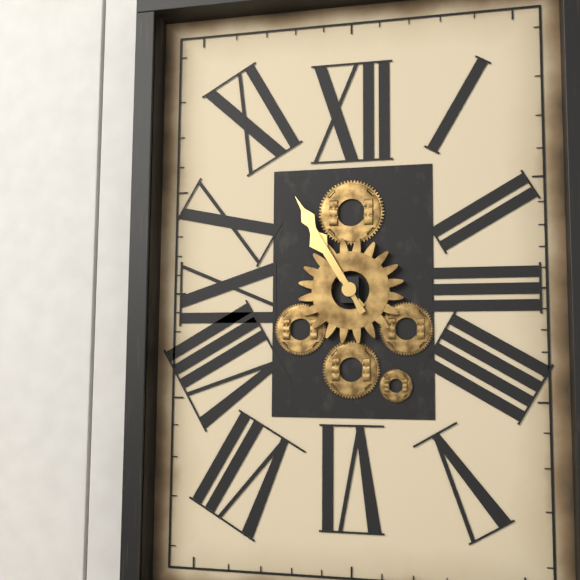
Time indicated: 10:55
